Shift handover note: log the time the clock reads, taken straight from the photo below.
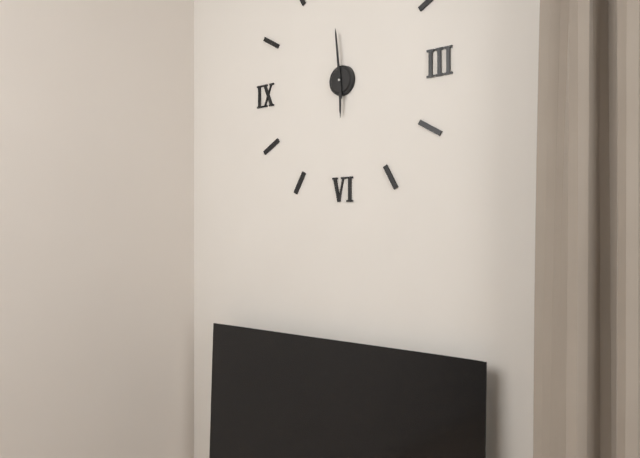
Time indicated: 5:59
